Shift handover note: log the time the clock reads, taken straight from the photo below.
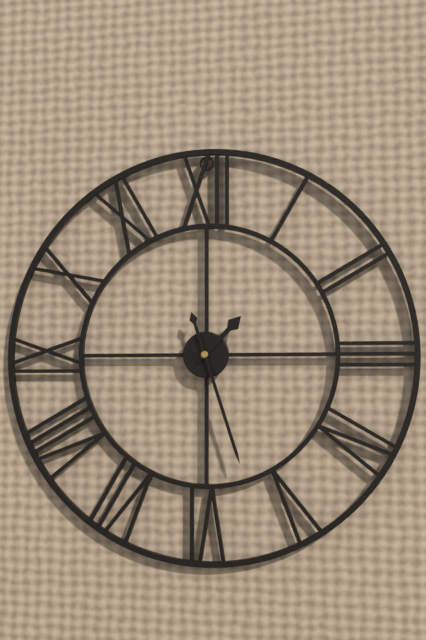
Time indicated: 1:27
